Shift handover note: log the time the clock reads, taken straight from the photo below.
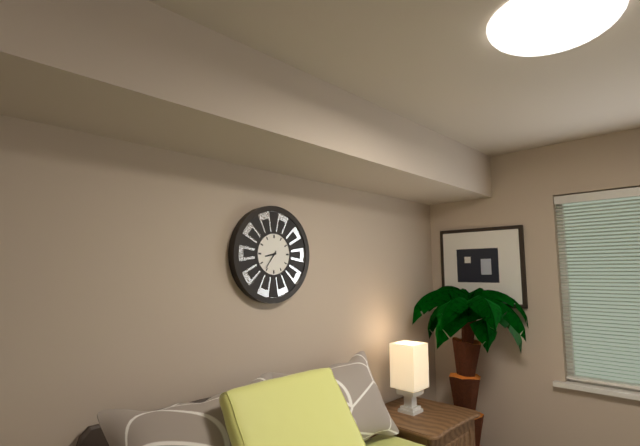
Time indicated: 8:36
